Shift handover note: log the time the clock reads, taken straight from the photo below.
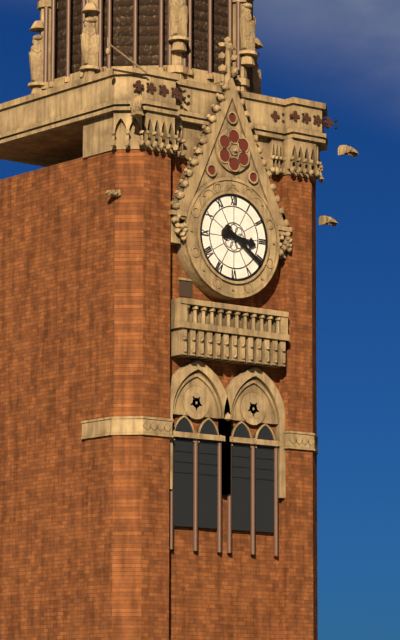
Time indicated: 3:21
